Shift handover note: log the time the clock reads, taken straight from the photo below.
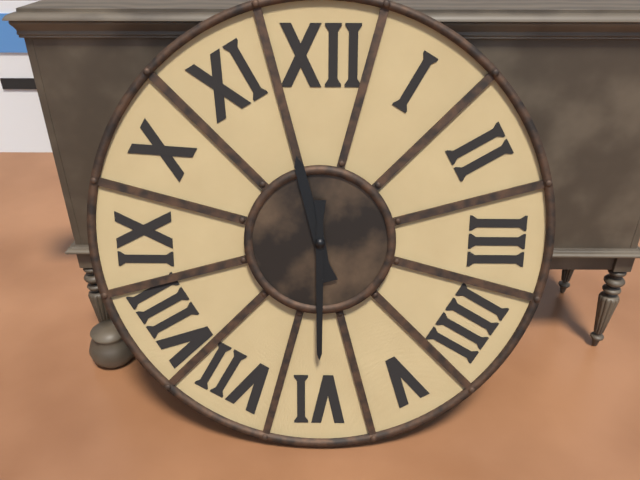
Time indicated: 11:30
